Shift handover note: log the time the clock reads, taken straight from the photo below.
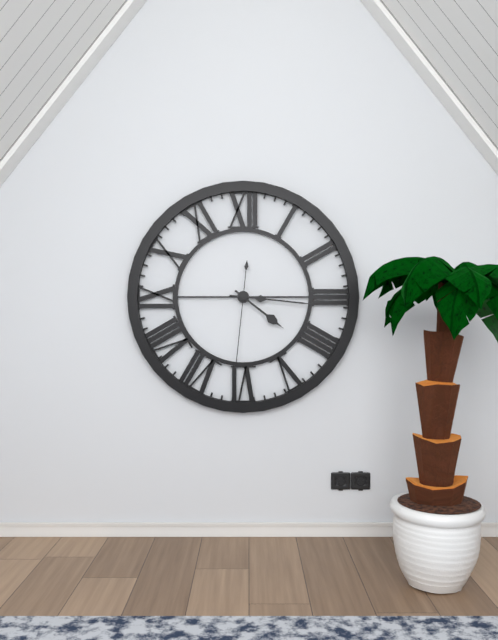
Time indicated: 4:16:31
